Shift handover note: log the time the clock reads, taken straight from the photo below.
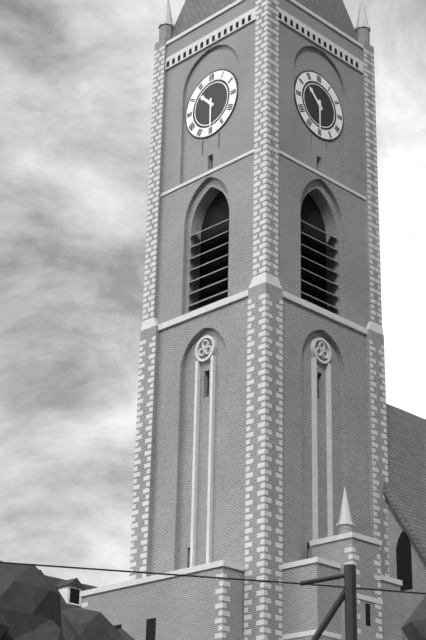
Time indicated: 10:30
